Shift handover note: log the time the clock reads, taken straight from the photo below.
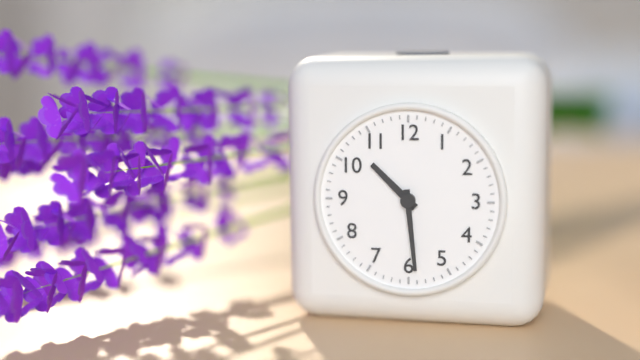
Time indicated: 10:29
